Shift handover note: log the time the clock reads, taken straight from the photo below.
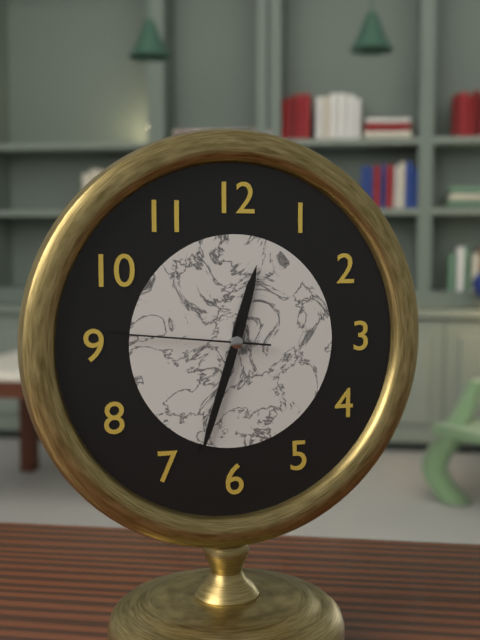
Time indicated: 12:33:46
